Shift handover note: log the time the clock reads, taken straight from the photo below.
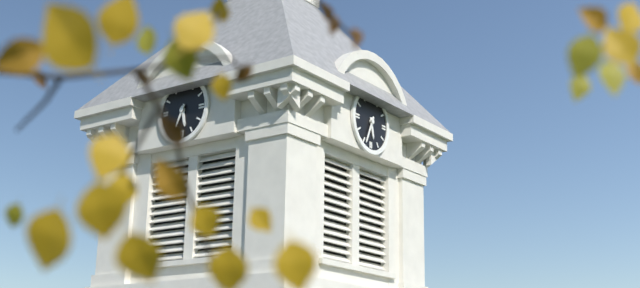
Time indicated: 5:34
